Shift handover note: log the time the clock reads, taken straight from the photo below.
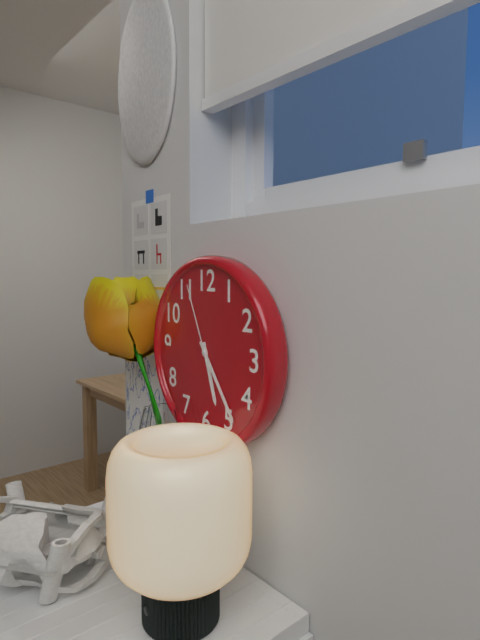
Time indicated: 5:24:56
